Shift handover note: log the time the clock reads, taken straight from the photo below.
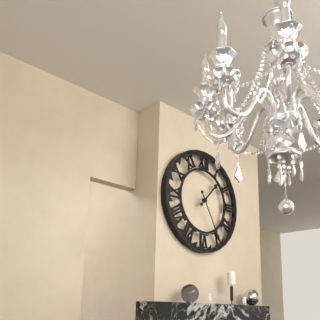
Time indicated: 1:25
